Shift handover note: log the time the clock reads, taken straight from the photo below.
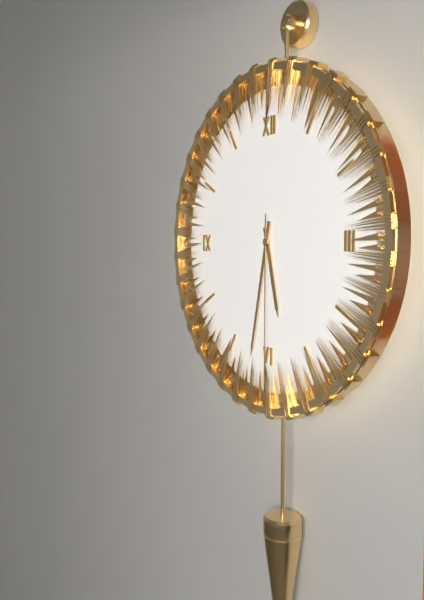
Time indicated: 5:32:30
